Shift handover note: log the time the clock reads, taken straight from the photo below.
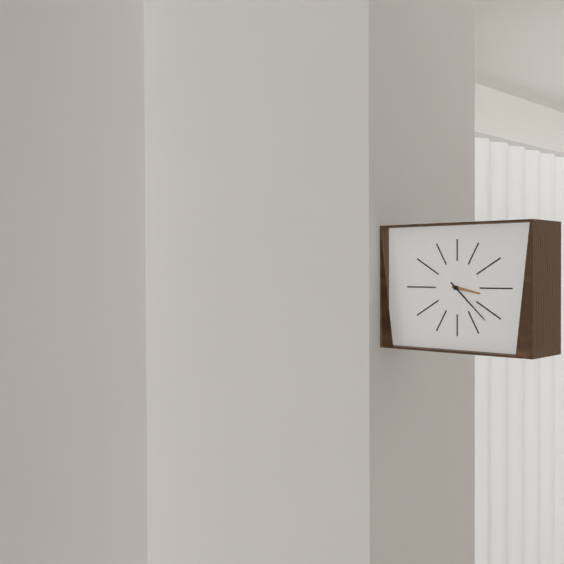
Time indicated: 3:22
